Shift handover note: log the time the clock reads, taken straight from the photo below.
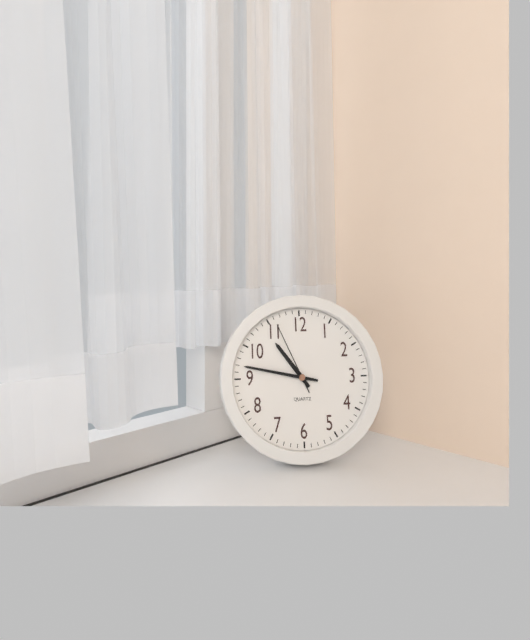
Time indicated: 10:47:56
